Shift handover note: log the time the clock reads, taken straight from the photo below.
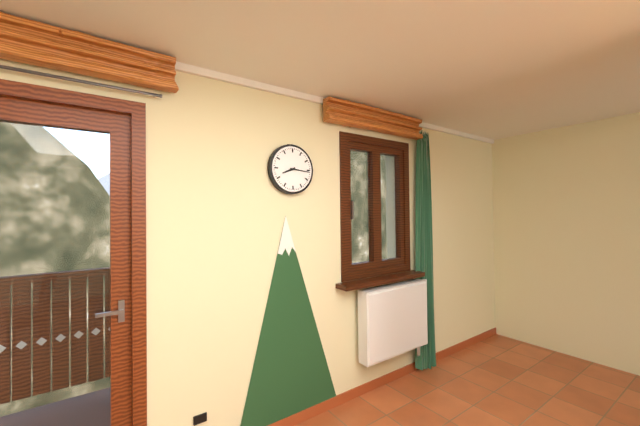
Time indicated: 8:16
